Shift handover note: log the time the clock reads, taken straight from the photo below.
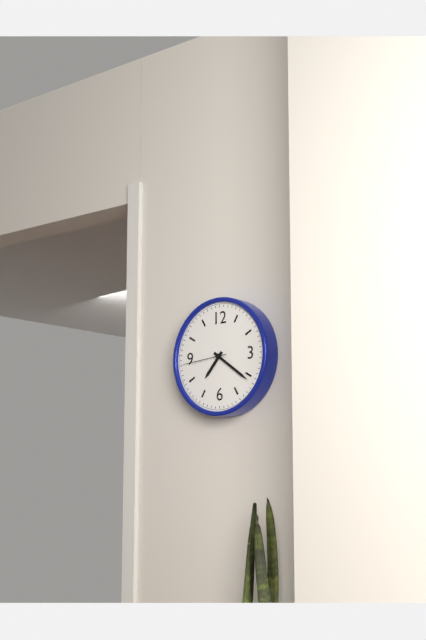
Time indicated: 7:21
